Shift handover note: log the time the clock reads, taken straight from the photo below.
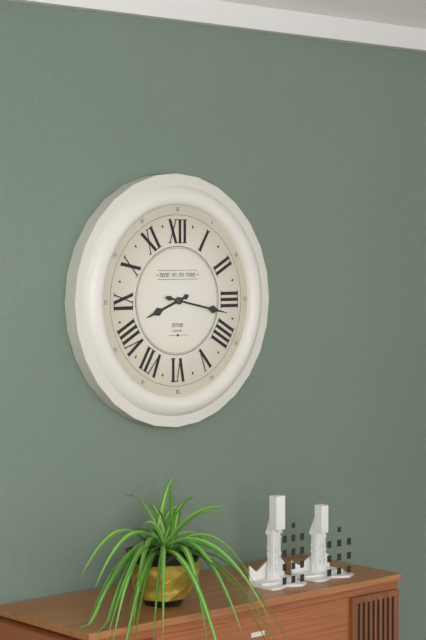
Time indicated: 8:17
